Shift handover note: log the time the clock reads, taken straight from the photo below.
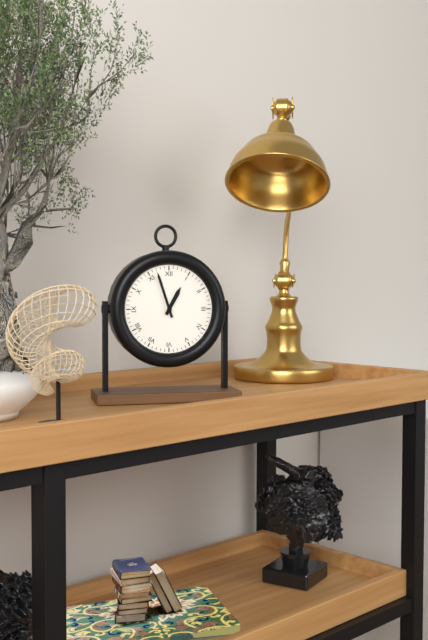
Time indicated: 12:57
